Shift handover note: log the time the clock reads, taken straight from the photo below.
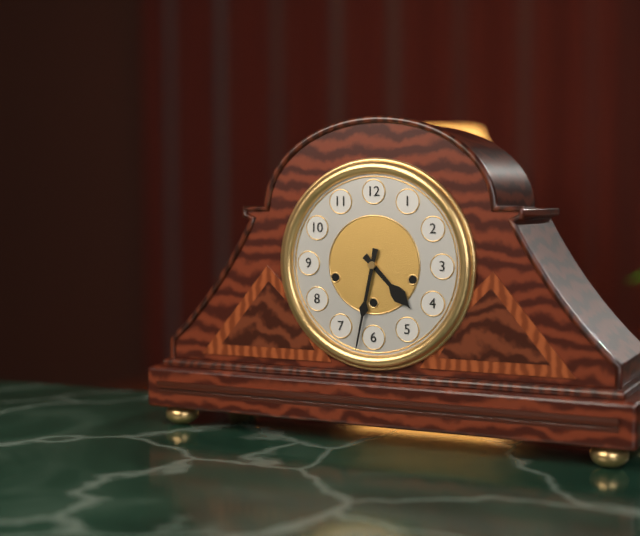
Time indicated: 4:32
